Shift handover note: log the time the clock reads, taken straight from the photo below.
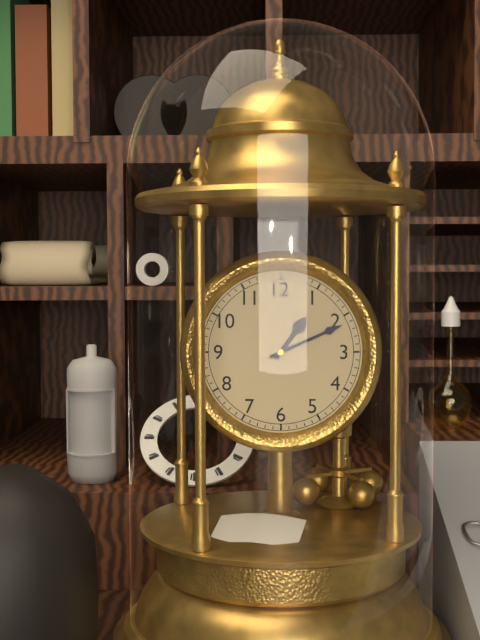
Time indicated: 1:11
